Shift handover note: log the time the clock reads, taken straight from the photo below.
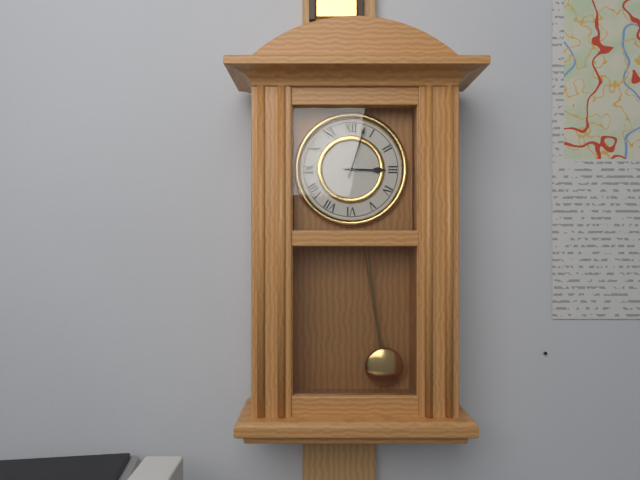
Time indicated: 3:03
